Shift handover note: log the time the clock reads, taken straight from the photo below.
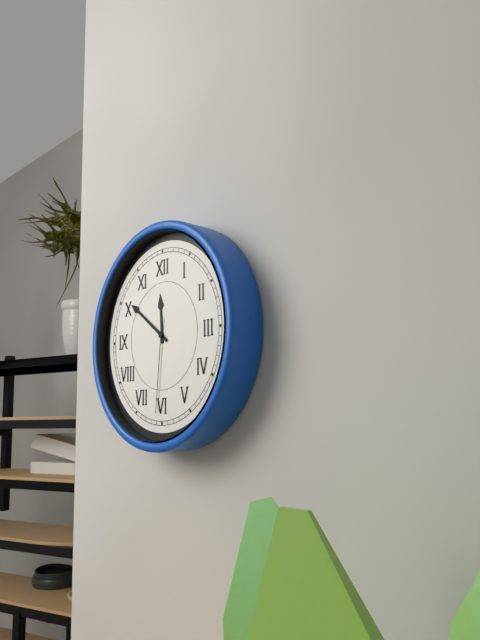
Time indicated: 11:51:31
